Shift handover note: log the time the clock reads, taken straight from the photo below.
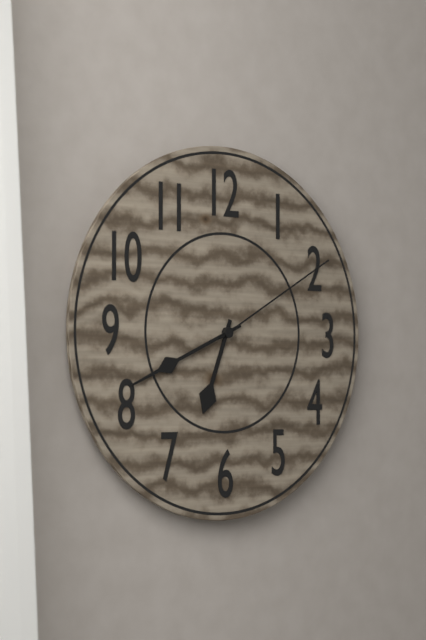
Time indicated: 6:41:10
